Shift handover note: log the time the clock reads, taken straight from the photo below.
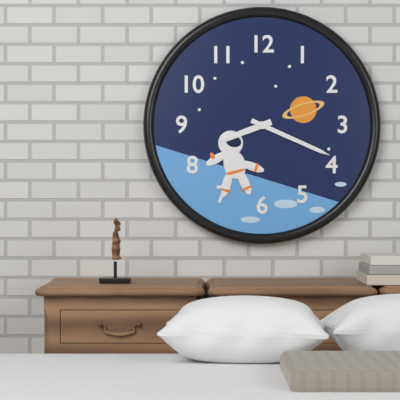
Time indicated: 8:19
